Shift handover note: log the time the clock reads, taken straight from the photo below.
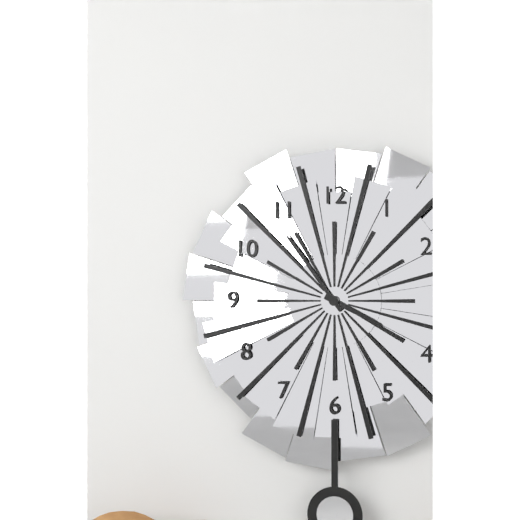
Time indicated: 3:54
